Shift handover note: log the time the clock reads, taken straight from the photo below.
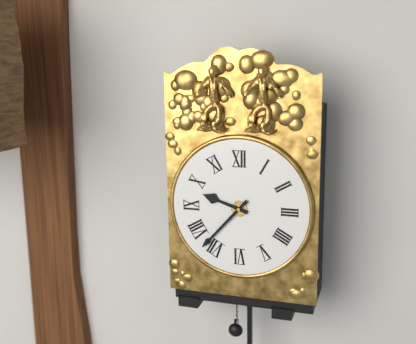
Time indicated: 9:37
